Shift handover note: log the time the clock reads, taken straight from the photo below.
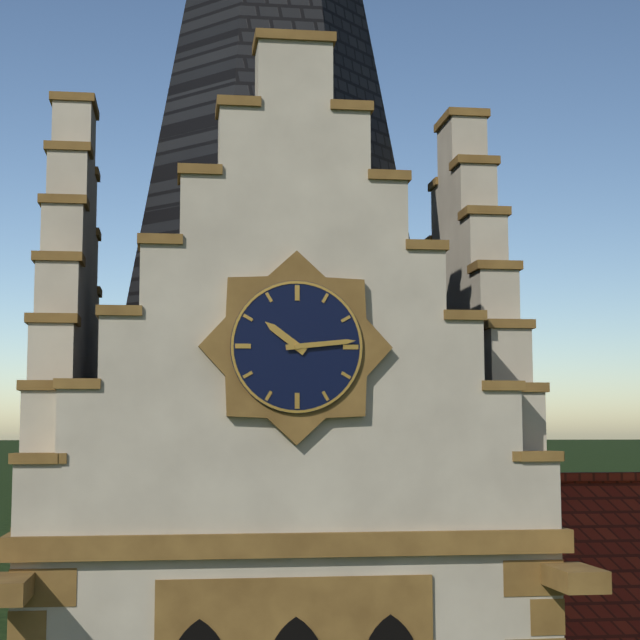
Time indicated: 10:14
